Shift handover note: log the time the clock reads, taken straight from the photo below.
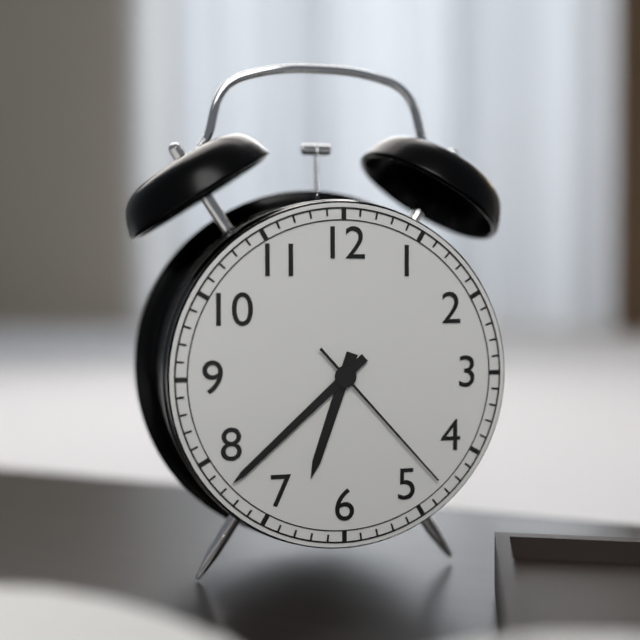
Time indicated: 6:38:23
